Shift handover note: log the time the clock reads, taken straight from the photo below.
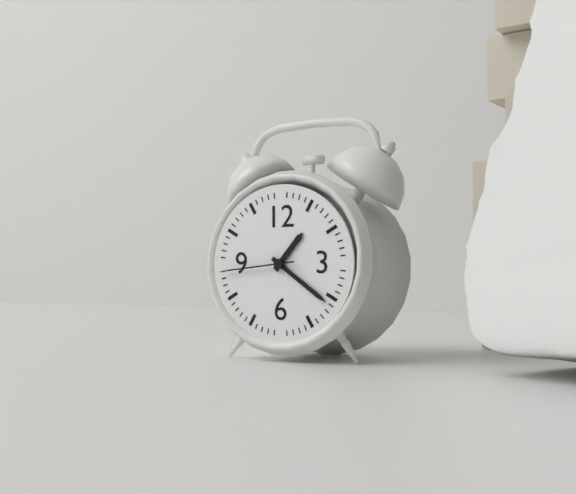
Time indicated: 1:21:44
